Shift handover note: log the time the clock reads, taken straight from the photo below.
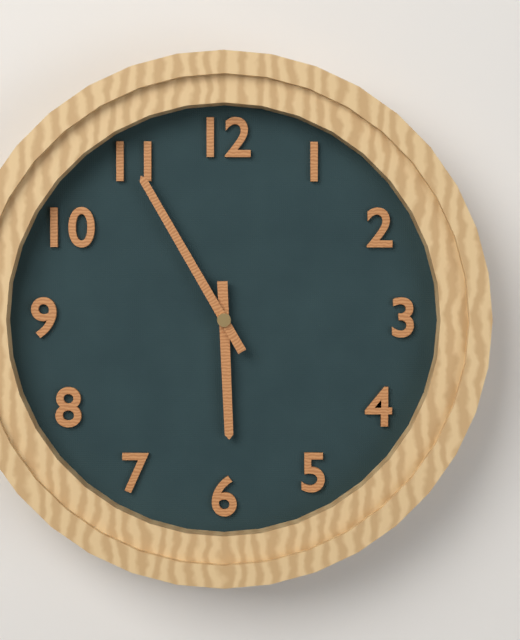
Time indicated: 5:55
